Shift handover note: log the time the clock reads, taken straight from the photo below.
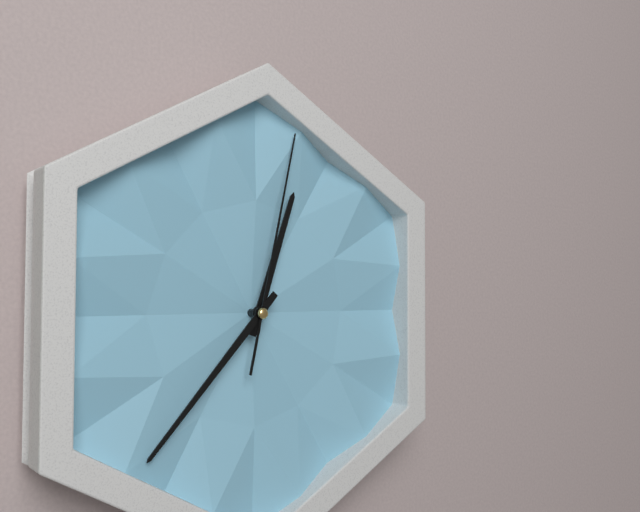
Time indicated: 12:37:02
